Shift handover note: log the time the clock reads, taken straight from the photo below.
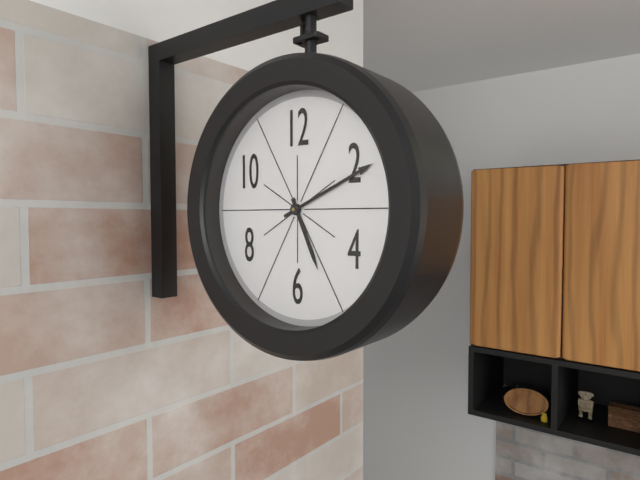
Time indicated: 5:11
